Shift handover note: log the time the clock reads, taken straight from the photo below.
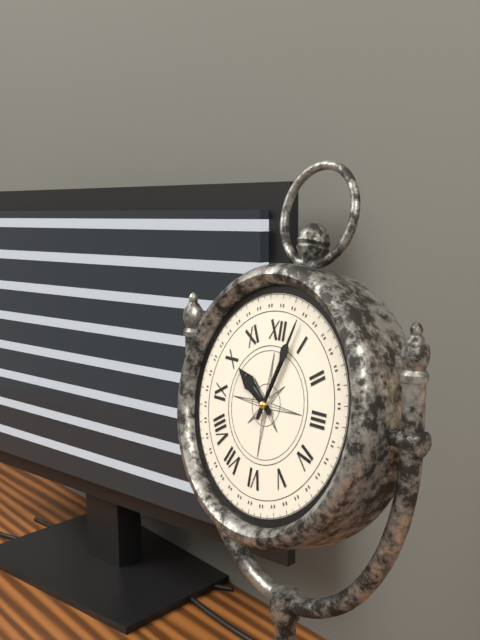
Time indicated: 10:03
